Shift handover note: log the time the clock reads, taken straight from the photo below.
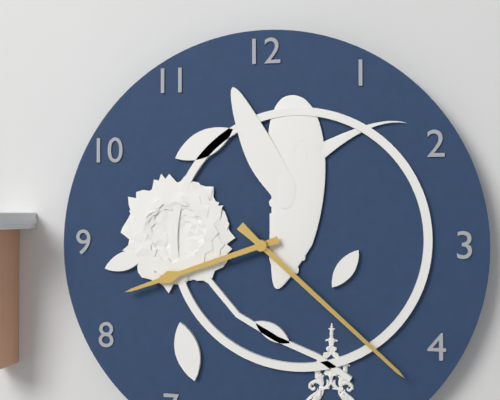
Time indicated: 8:22
